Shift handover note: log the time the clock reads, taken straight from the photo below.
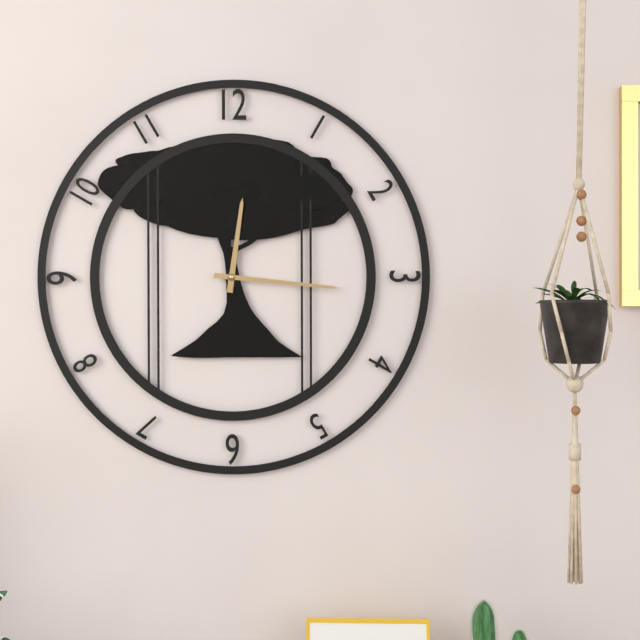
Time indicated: 12:16
